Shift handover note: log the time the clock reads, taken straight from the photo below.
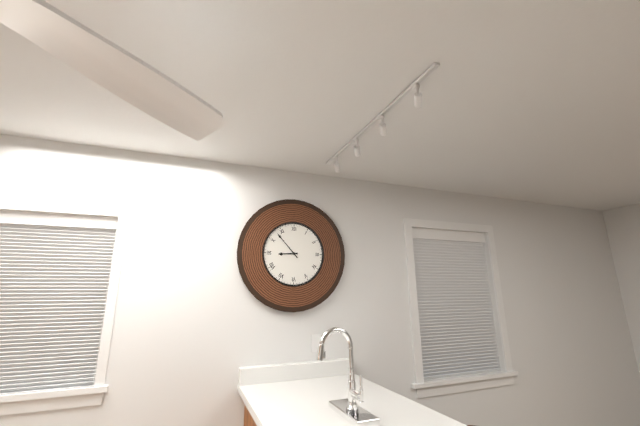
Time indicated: 8:53
